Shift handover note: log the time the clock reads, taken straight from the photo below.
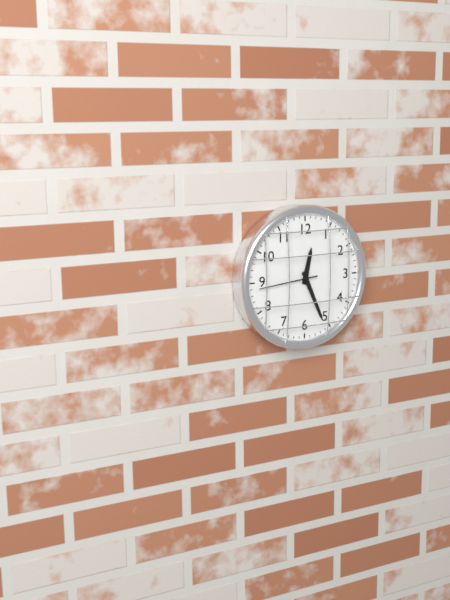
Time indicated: 12:26
